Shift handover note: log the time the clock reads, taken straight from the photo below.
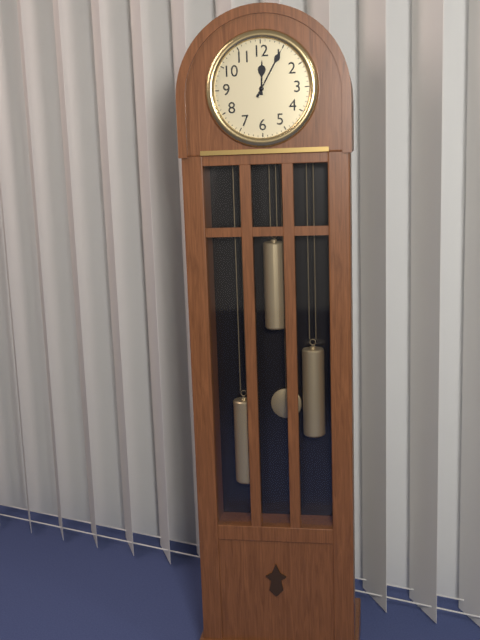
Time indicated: 12:05
